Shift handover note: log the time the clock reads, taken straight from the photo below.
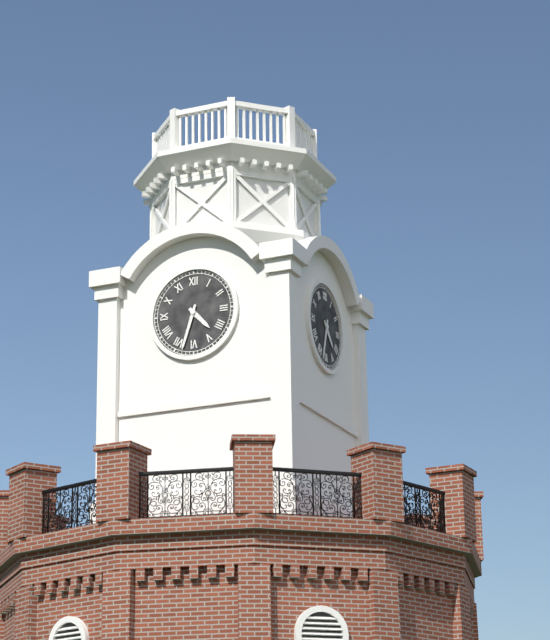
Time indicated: 4:33
